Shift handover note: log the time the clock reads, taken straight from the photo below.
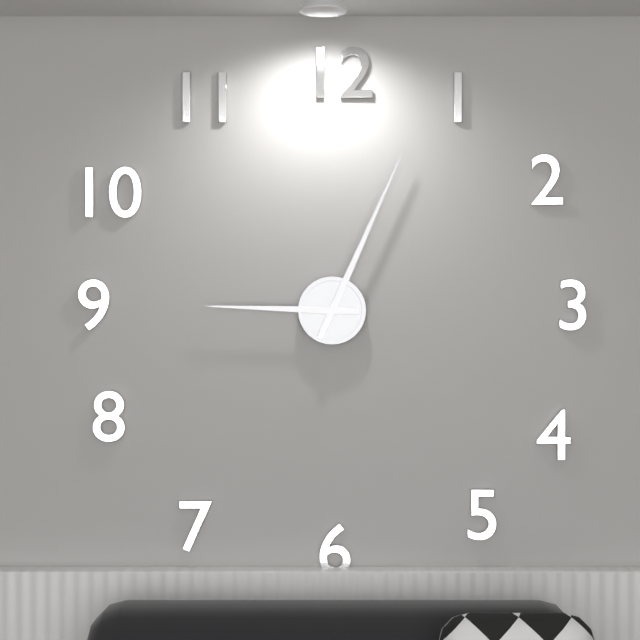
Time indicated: 9:04
